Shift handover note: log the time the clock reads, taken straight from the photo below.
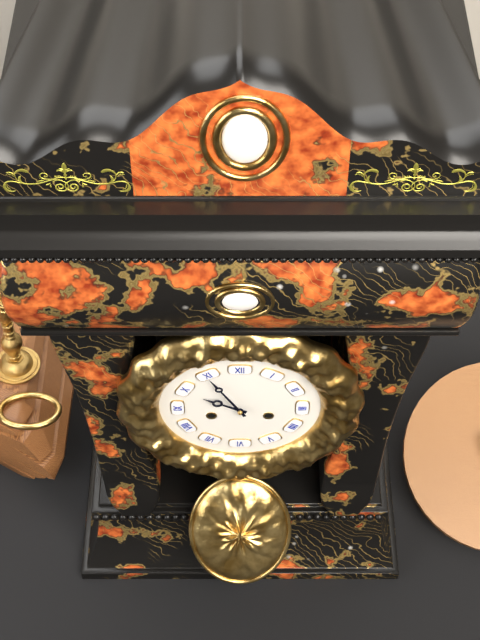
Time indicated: 9:55
